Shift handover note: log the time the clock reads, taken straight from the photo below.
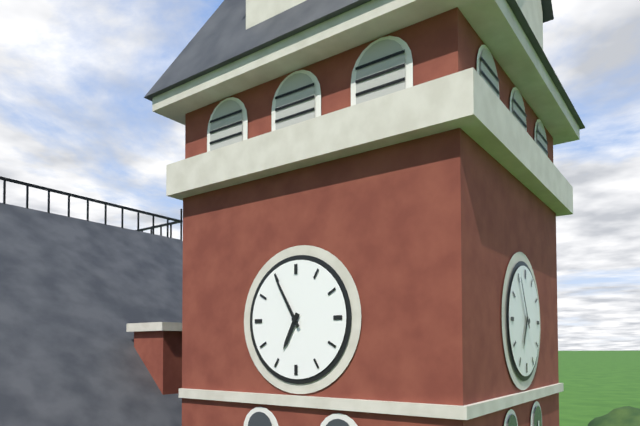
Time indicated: 6:55
